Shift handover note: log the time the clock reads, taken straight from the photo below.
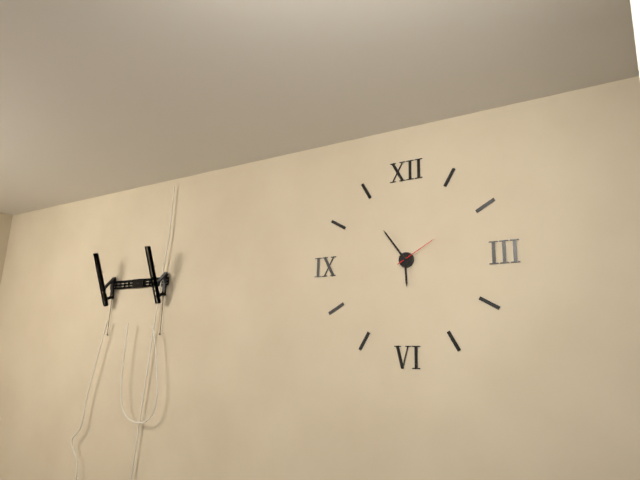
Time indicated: 5:54
